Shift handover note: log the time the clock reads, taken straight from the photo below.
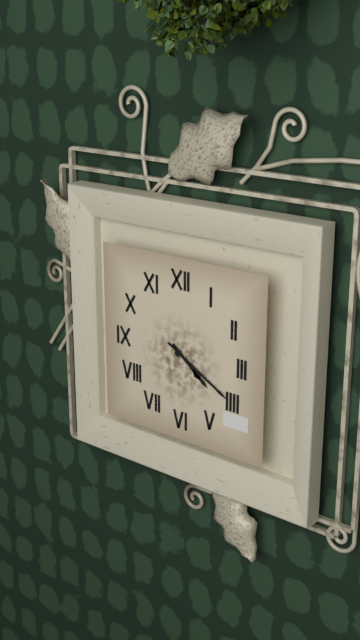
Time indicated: 4:20
